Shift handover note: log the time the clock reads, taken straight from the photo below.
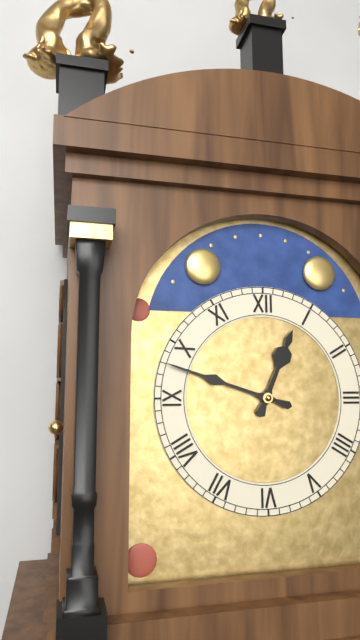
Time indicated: 12:48
